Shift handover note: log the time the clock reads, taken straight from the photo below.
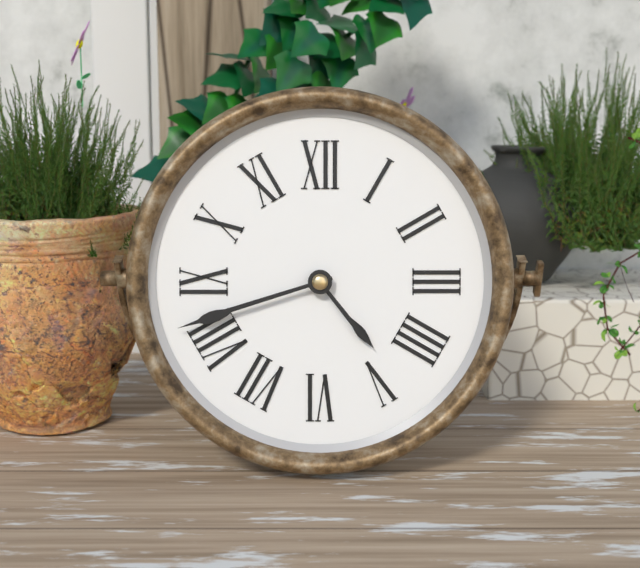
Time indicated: 4:42
